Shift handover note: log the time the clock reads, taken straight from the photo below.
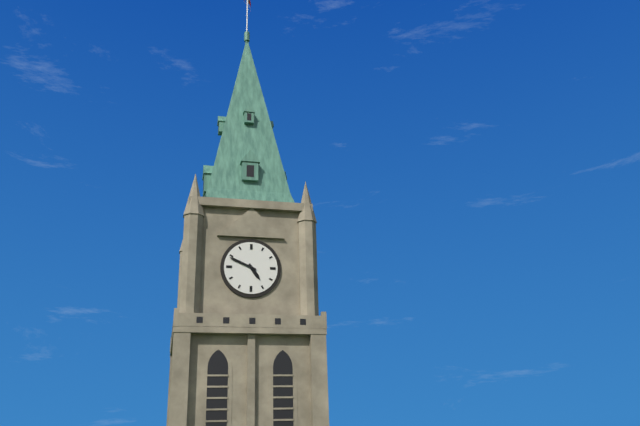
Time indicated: 4:49
